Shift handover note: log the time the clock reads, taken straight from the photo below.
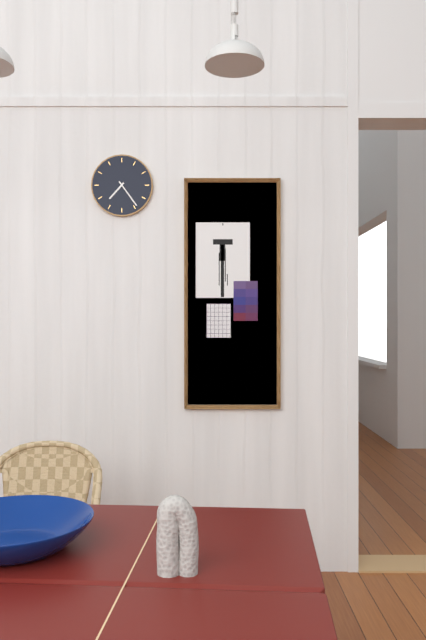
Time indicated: 7:24
